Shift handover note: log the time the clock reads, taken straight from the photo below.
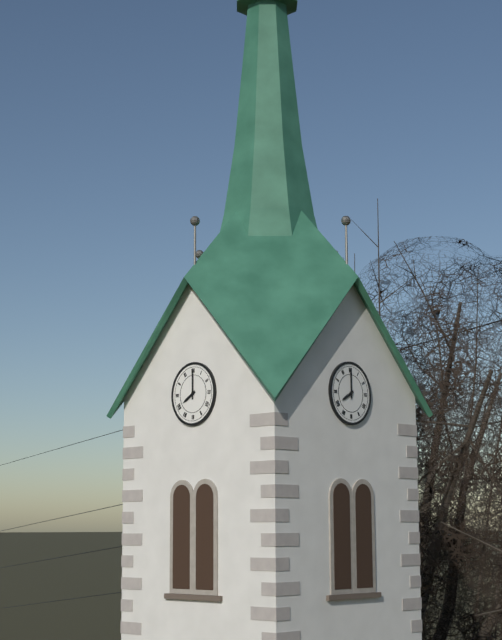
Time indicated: 8:00
